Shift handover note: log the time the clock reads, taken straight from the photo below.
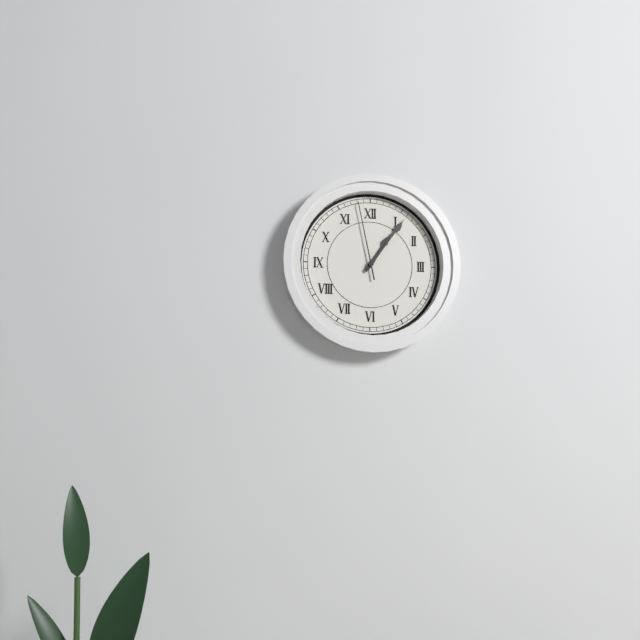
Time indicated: 1:06:58
